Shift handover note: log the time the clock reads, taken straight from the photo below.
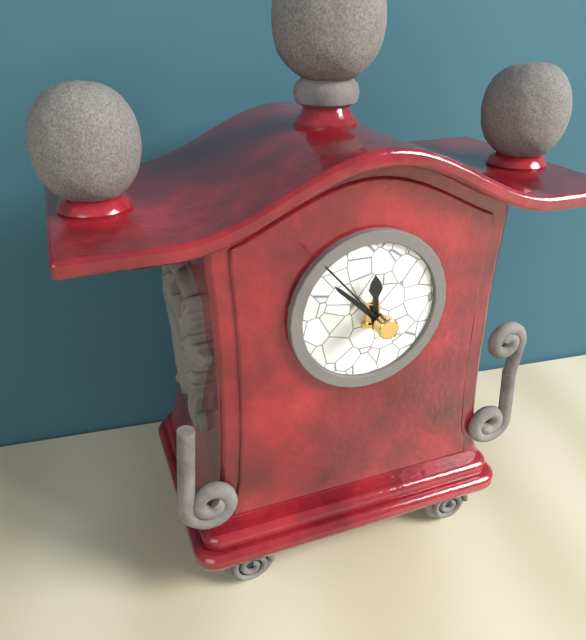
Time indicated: 11:52:53
